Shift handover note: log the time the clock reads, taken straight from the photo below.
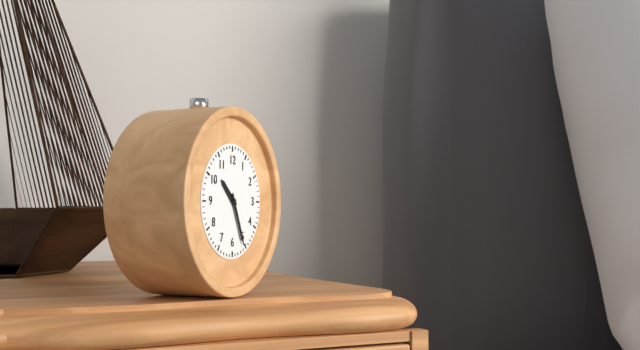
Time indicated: 10:26
